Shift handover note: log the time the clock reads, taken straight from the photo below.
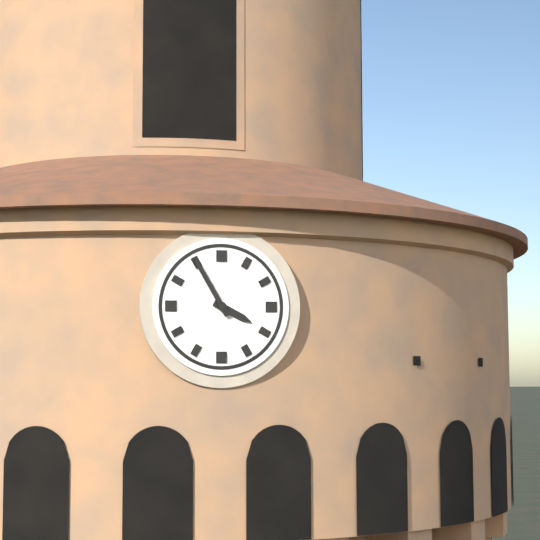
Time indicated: 3:55
